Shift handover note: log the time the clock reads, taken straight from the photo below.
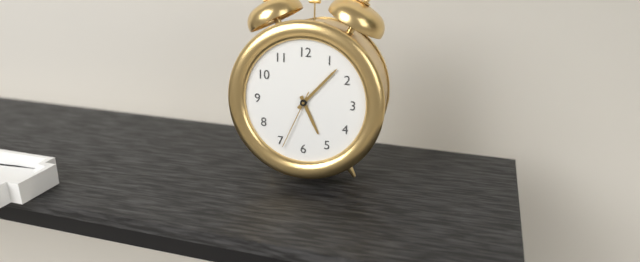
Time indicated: 5:07:34
